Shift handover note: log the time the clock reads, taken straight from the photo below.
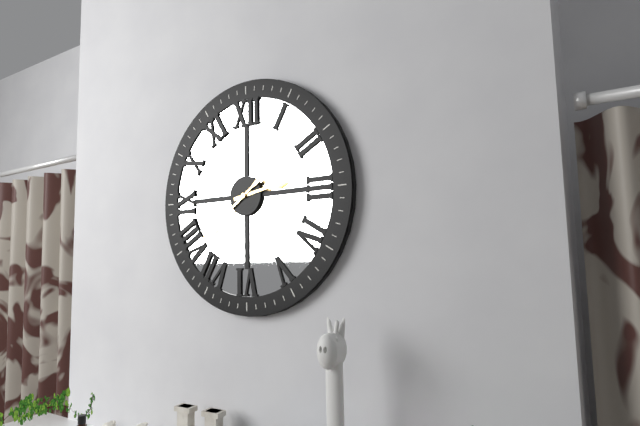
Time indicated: 2:39
